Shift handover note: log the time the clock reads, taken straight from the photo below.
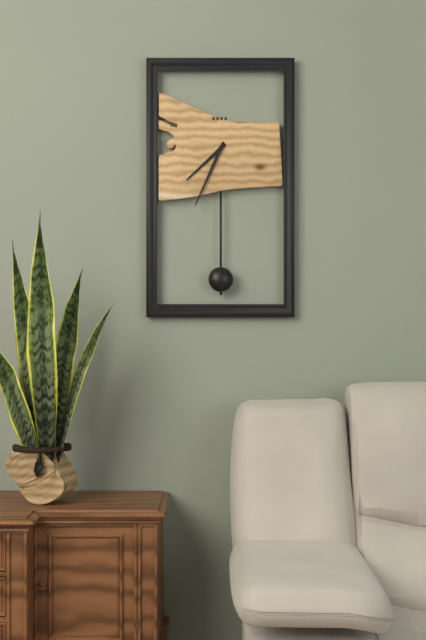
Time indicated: 7:34
